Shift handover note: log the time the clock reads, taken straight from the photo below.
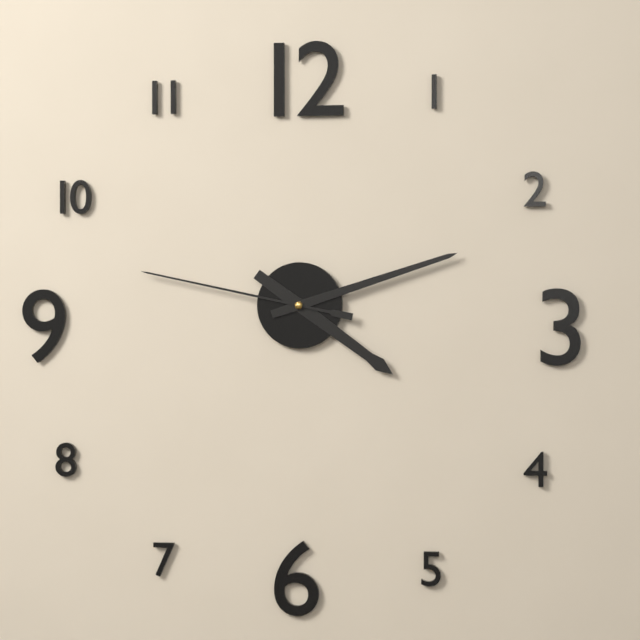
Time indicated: 4:12:47
